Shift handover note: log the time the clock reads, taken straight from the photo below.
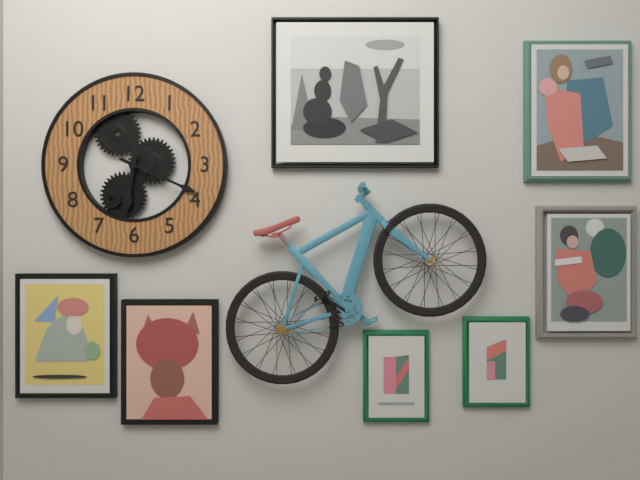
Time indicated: 6:19
